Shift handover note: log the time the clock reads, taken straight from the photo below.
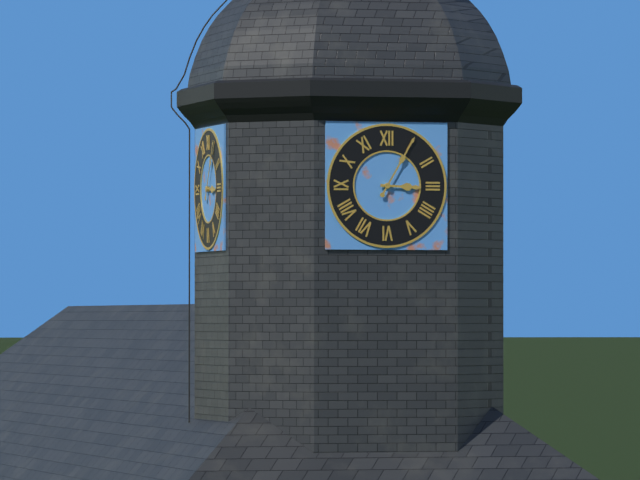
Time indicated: 3:05
